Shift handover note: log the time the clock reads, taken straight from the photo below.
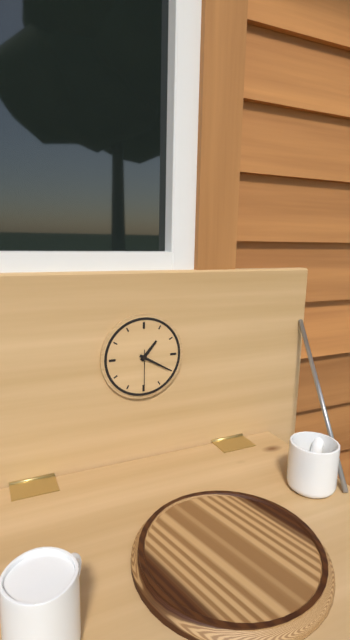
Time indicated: 1:20
